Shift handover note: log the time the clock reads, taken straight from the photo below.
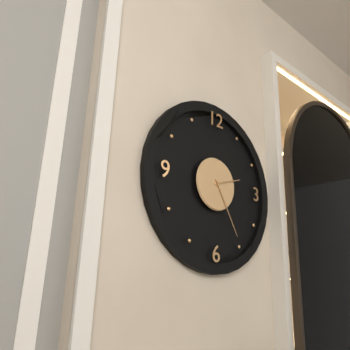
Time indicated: 2:25
